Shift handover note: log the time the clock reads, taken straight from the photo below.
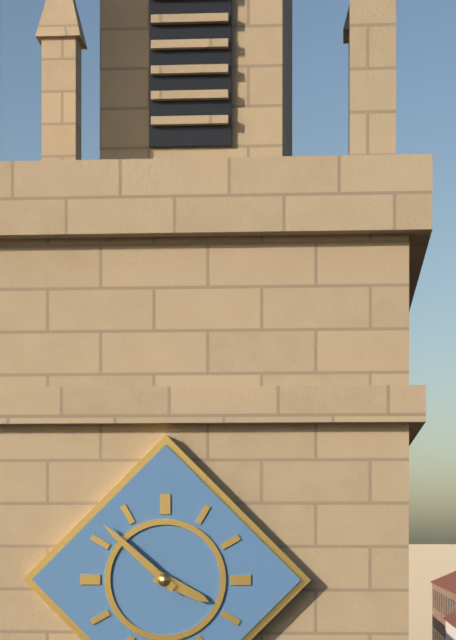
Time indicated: 3:52
